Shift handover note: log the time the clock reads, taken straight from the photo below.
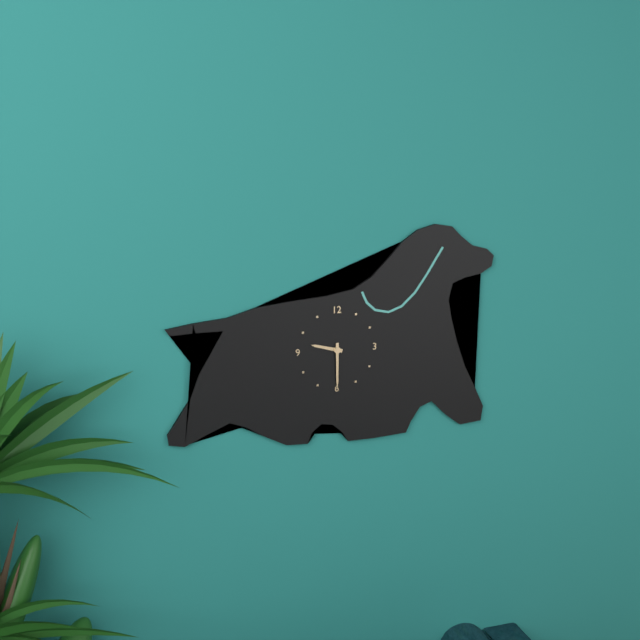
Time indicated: 9:30
